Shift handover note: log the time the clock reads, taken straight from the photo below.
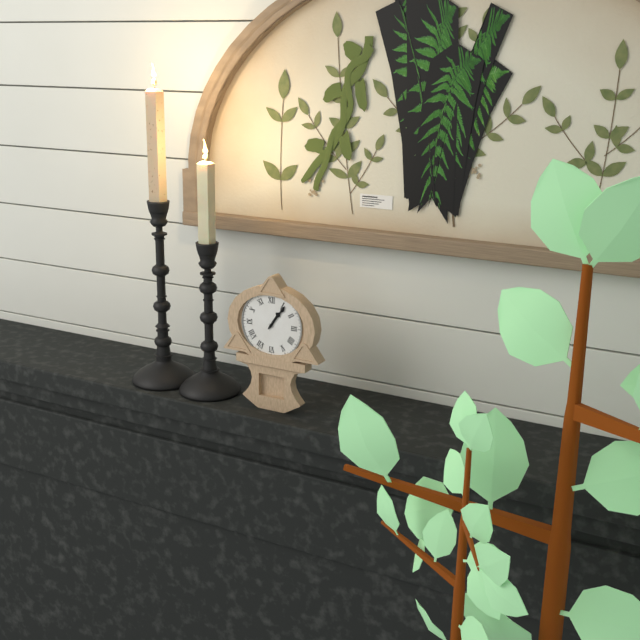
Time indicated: 1:06
